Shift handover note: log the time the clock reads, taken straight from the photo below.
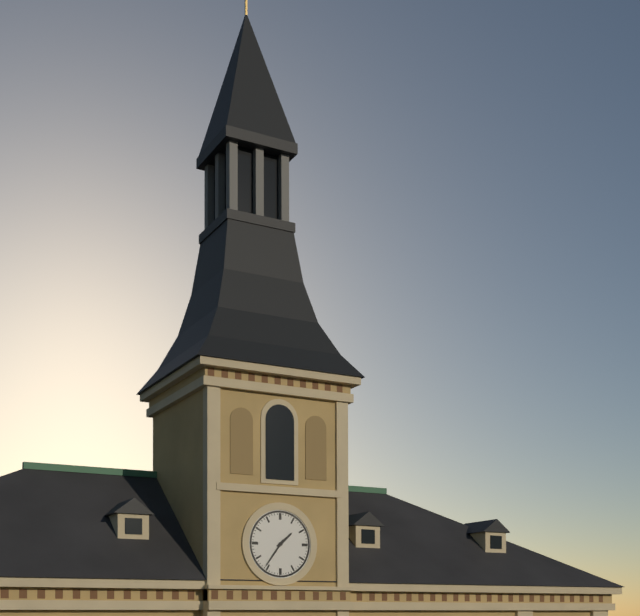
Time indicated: 1:36
